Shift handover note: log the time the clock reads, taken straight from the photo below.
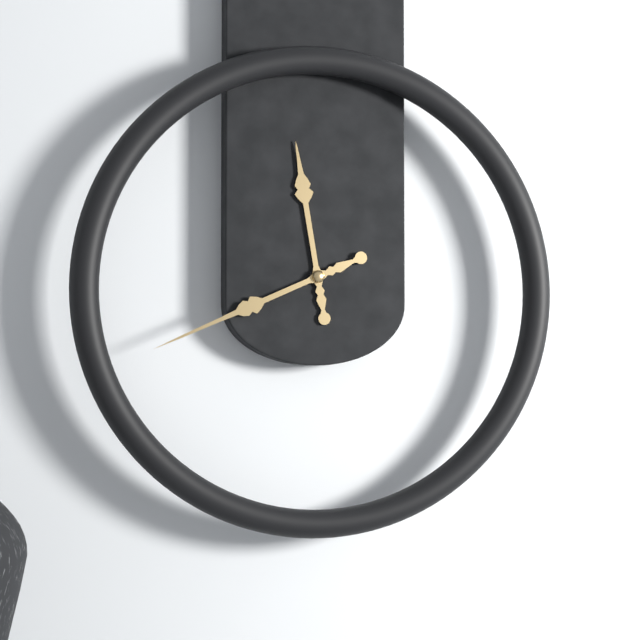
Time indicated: 11:41
